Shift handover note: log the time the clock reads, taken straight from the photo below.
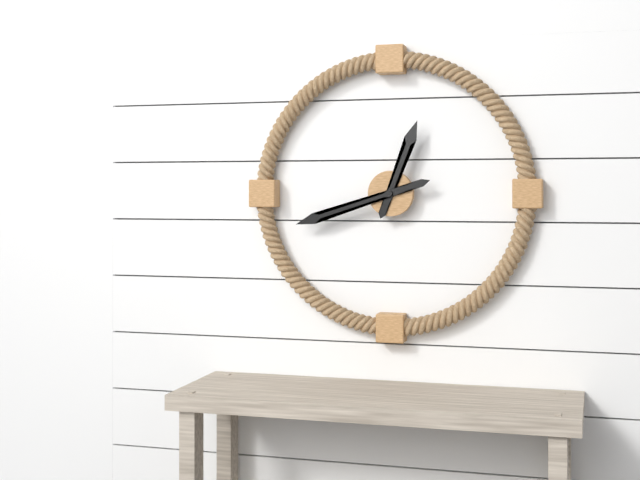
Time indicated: 12:42
